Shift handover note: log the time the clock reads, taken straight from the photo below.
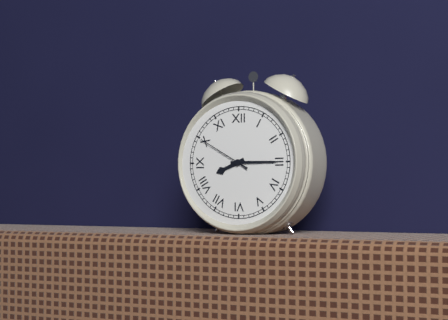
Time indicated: 8:15:50
